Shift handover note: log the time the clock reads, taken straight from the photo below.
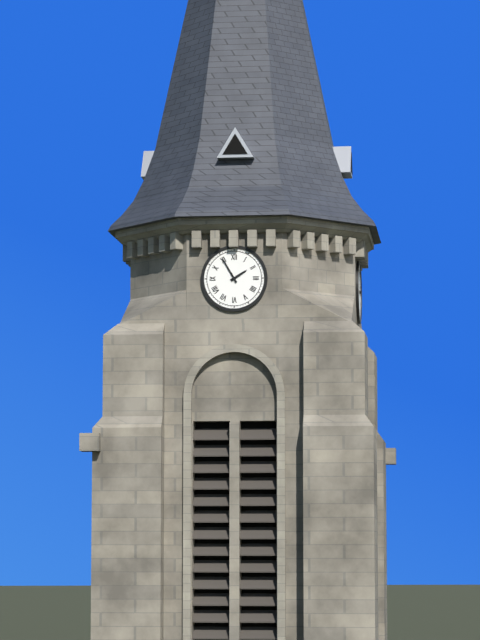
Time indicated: 1:55
